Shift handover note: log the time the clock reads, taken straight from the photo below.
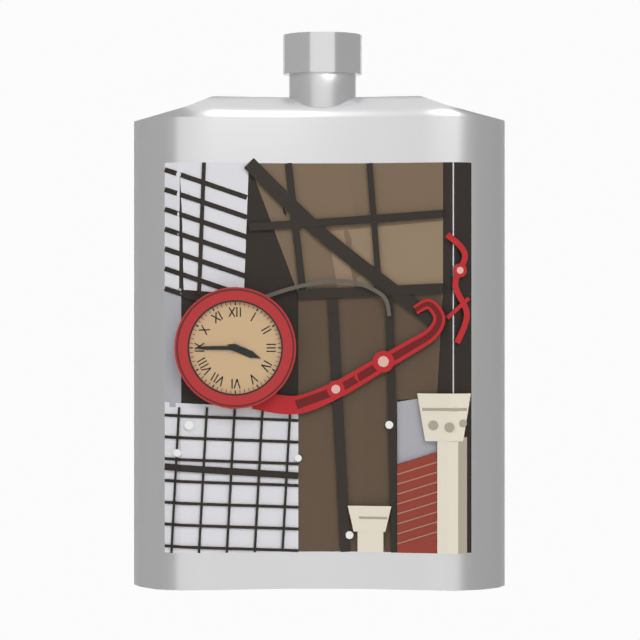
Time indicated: 3:45
